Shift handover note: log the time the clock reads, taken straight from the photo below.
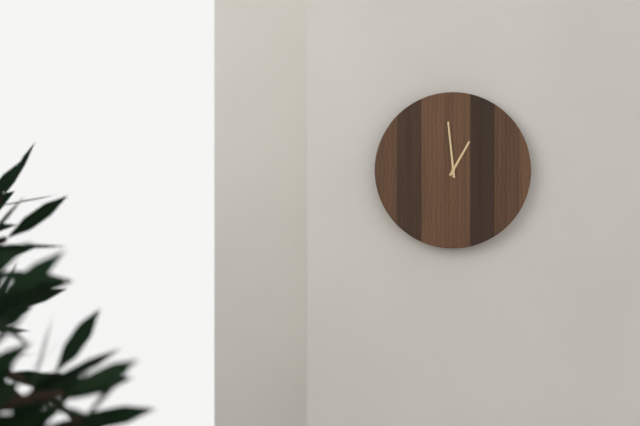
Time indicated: 12:59
